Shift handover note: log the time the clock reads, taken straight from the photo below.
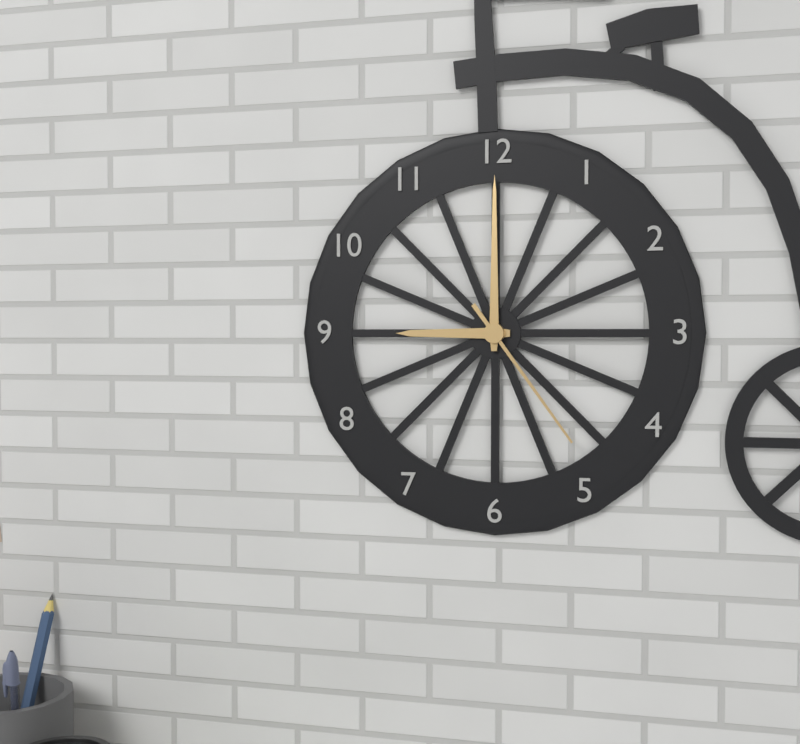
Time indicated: 9:00:24
